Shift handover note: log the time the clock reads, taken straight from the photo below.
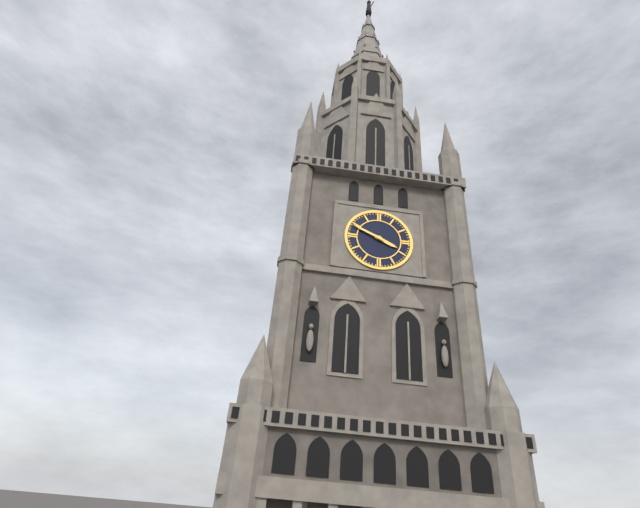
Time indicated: 3:49
